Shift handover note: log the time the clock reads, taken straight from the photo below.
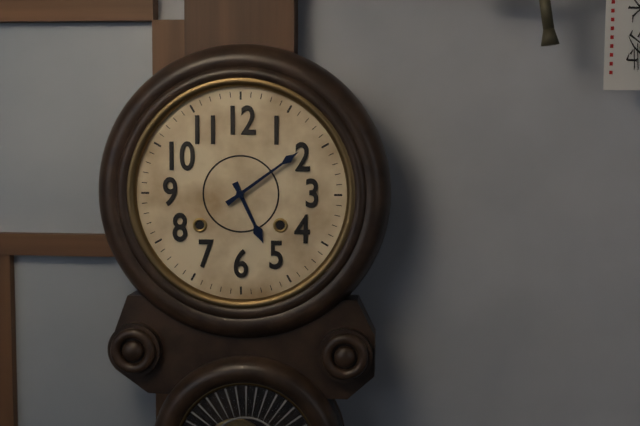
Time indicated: 5:09
